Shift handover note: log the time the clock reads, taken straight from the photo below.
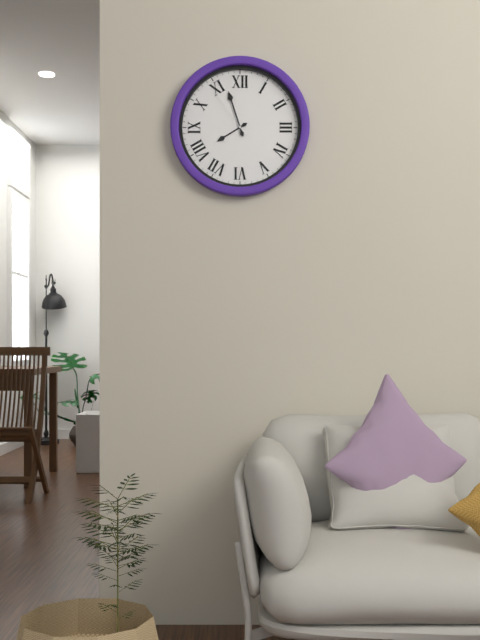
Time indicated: 7:57:54
